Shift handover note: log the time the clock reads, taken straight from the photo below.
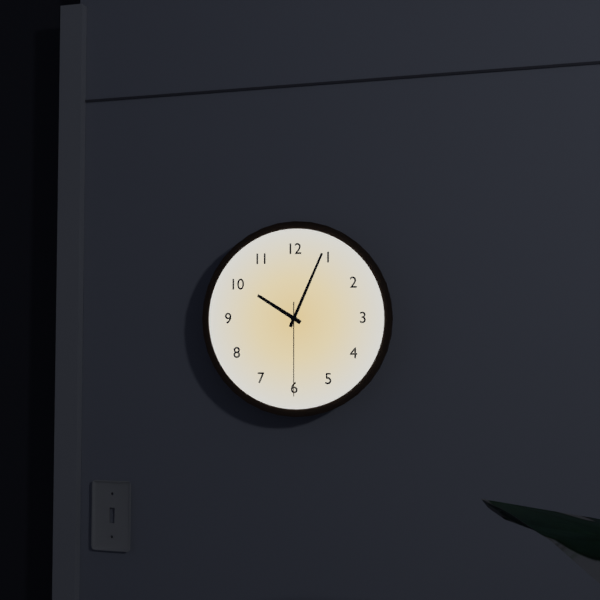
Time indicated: 10:04:30
